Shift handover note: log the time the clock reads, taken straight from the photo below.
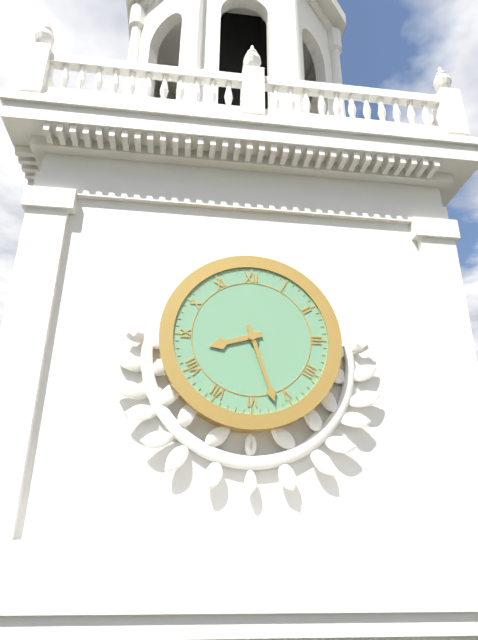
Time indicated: 8:27
